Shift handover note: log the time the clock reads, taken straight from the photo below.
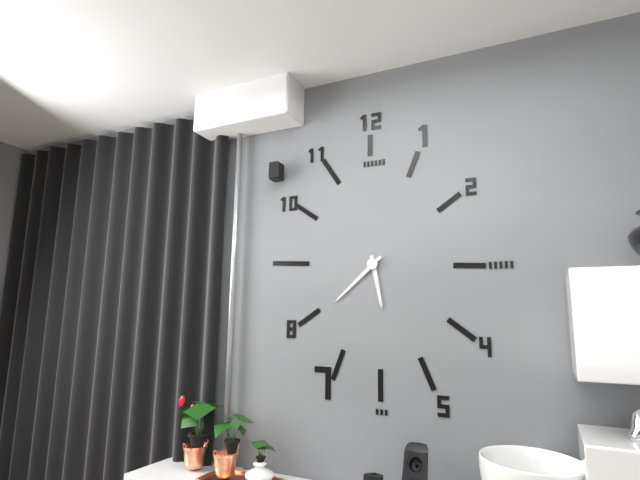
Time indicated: 5:38
